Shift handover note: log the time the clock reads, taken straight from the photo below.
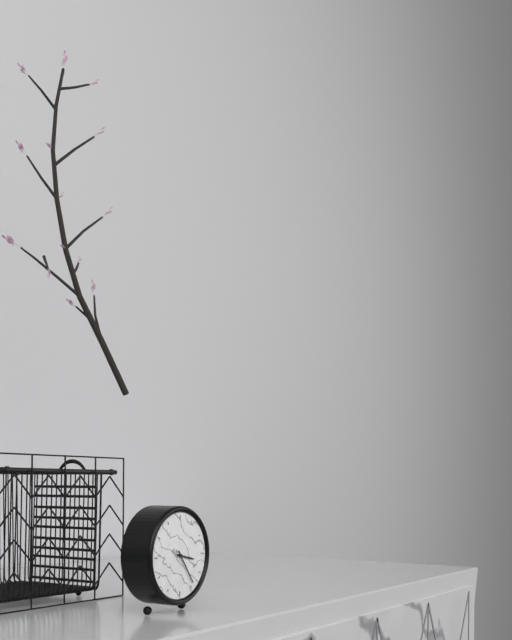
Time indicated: 3:24
